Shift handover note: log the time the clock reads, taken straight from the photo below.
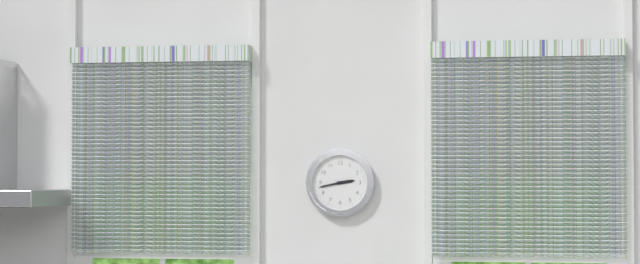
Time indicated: 2:43
